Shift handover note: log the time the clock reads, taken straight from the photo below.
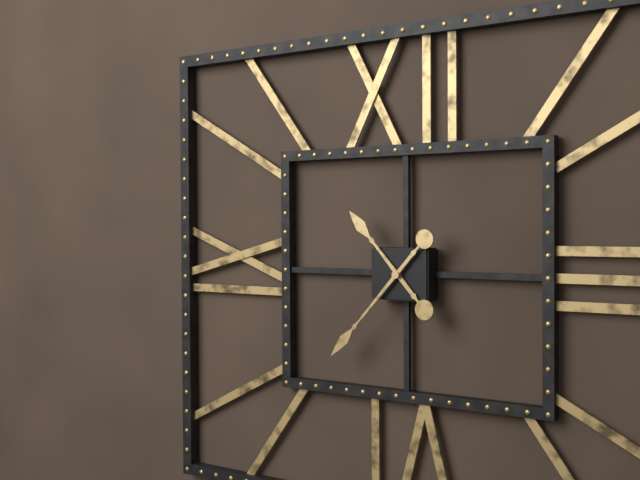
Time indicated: 10:37
